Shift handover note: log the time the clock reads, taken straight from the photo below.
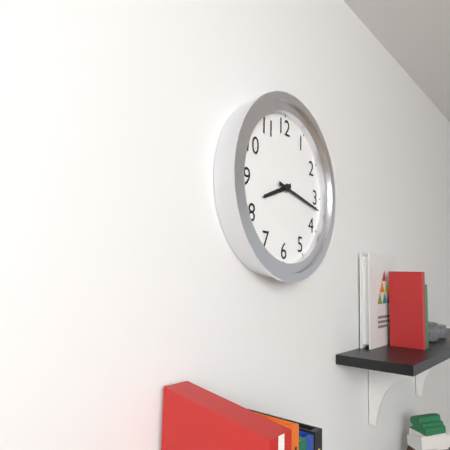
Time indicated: 8:17
